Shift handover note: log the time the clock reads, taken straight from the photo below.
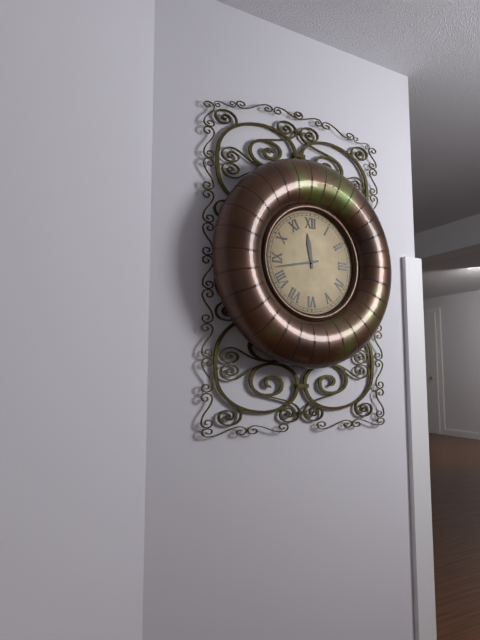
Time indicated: 11:43
